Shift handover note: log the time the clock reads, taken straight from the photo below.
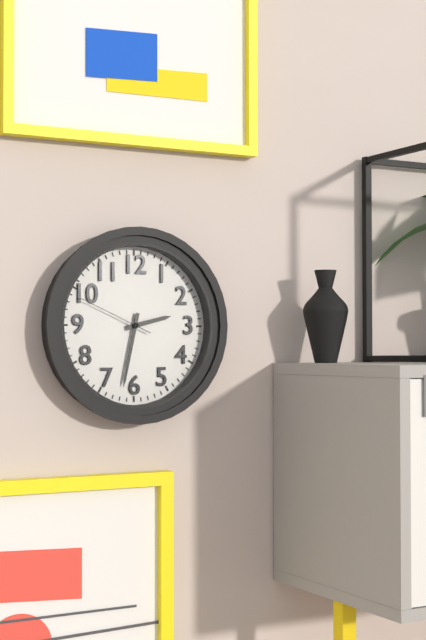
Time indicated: 2:32:49
